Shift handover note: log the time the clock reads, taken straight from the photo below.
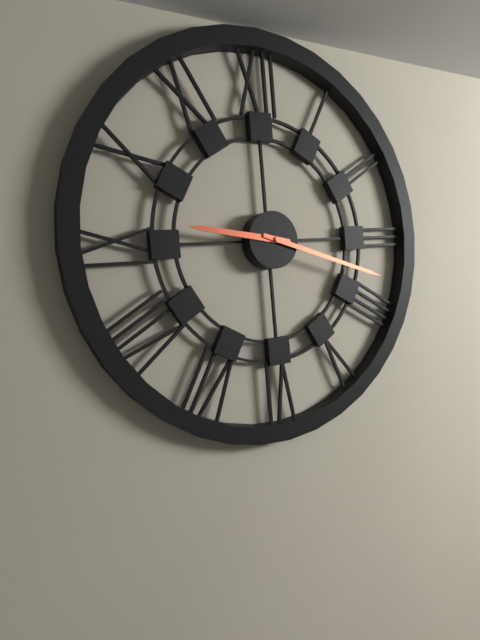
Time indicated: 9:18
